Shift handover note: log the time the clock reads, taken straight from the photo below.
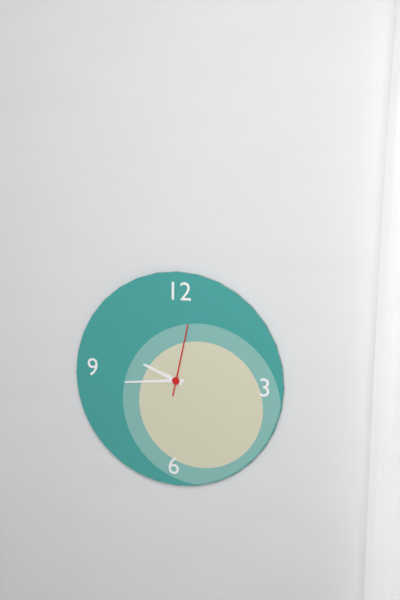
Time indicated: 9:44:02
